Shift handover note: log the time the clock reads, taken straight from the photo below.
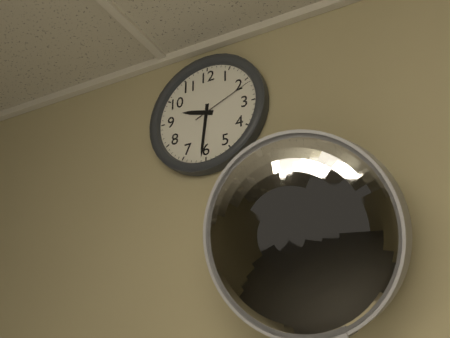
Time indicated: 9:31:11
